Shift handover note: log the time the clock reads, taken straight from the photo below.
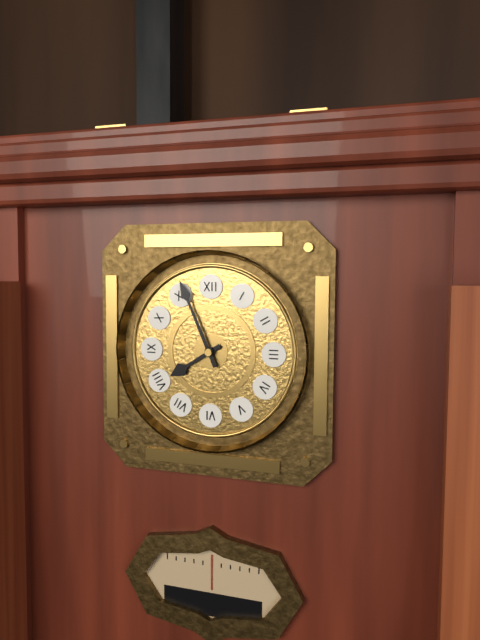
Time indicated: 7:56
